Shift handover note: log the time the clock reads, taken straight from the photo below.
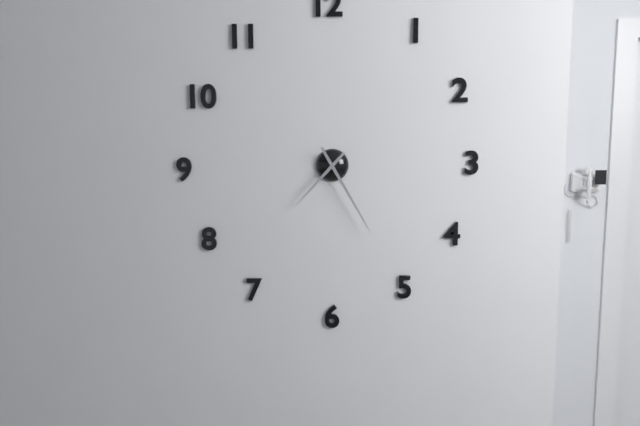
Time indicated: 7:25
